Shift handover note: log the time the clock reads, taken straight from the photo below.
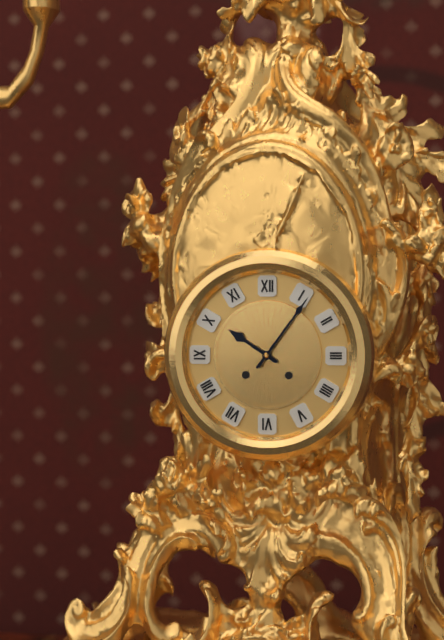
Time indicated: 10:06
